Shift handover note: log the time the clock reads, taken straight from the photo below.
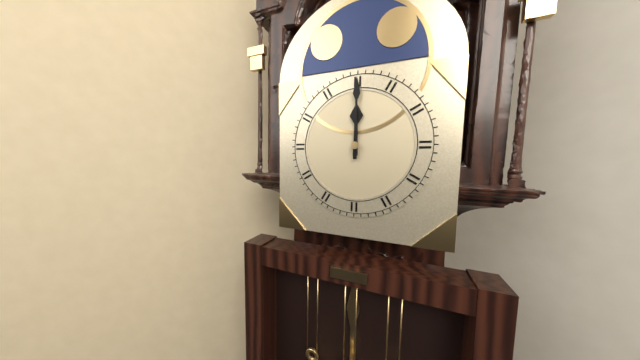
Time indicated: 12:00
